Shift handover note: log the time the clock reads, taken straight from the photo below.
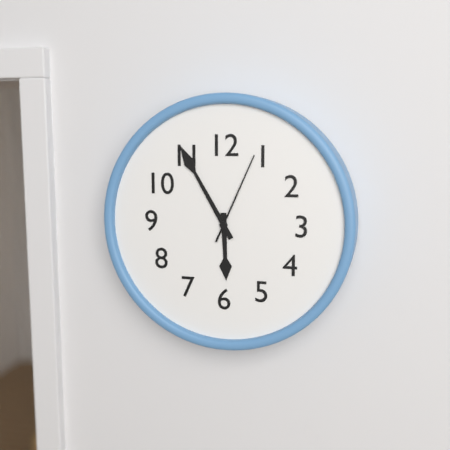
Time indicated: 5:55:04
